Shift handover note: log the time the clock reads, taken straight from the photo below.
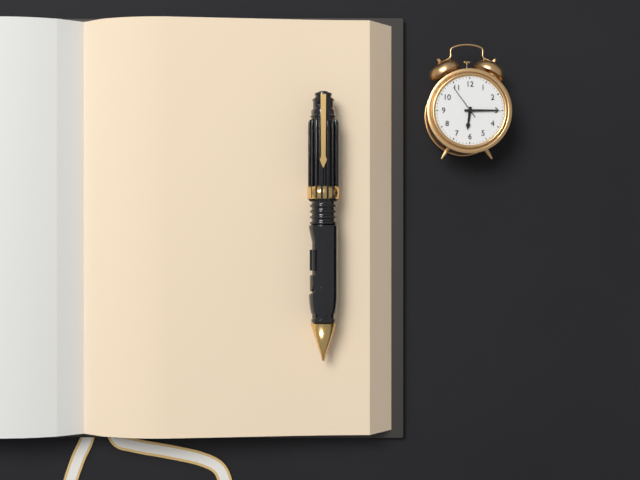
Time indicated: 6:15
